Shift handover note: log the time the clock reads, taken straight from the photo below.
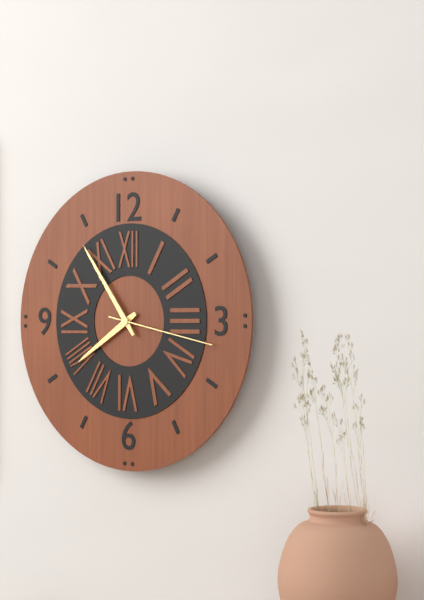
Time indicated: 7:54:17
